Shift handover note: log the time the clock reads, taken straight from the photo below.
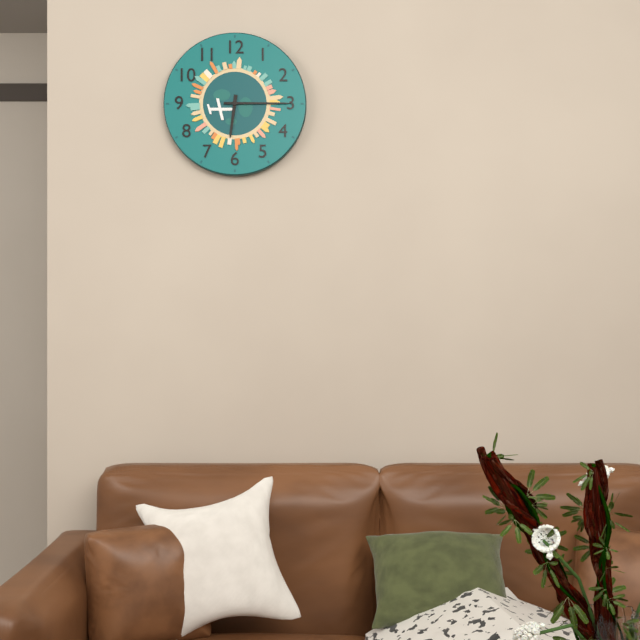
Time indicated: 6:15
